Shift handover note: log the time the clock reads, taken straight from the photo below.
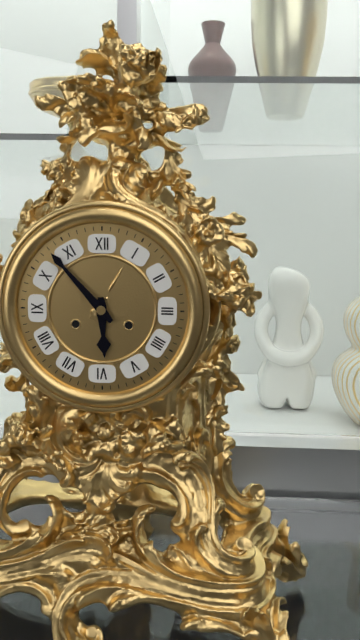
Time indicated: 5:53
